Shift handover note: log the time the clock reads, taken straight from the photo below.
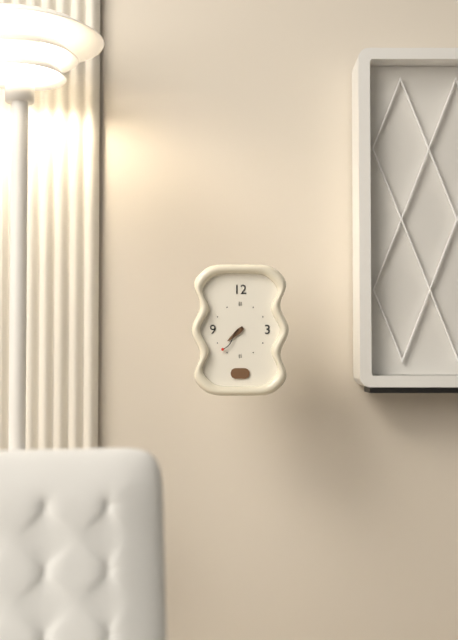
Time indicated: 7:37
